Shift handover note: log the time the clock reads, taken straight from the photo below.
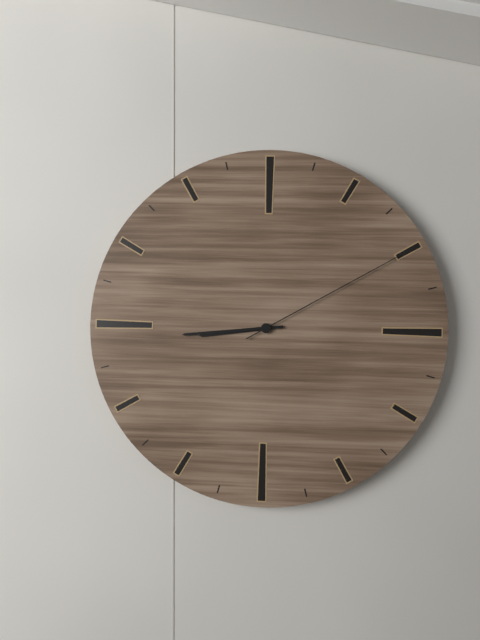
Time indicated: 8:44:10
